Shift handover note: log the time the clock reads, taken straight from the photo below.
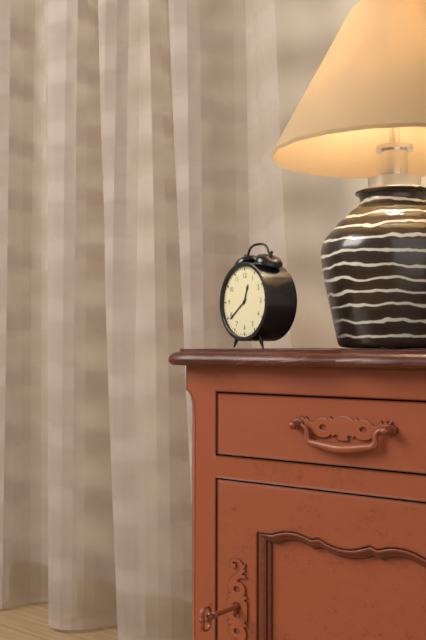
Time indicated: 12:39
